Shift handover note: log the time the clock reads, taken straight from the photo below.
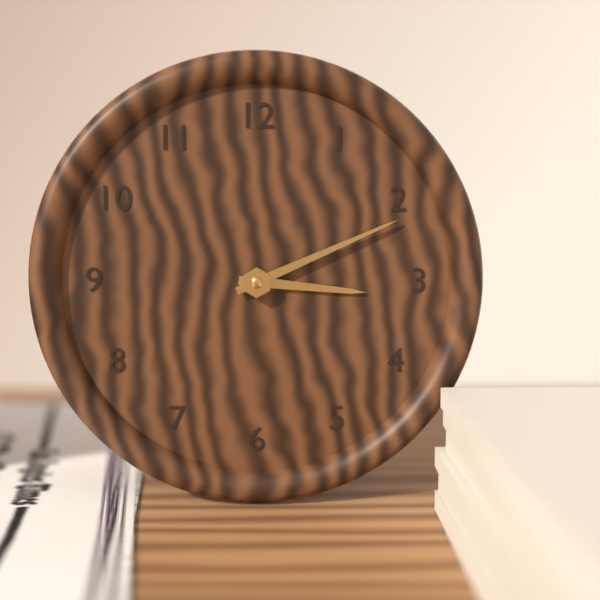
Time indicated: 3:11
